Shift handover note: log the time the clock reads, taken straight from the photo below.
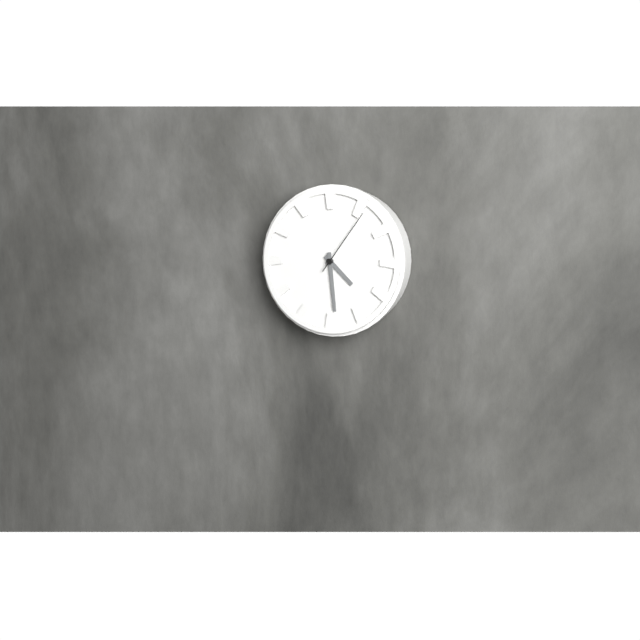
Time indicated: 4:29:06
